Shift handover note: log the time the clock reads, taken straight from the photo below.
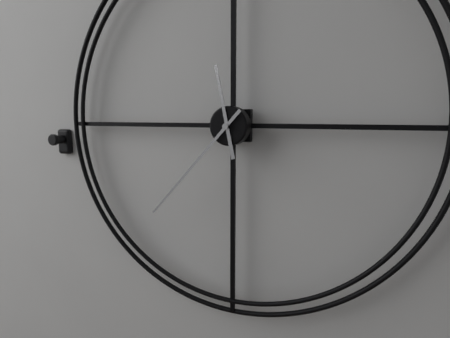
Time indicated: 11:37
